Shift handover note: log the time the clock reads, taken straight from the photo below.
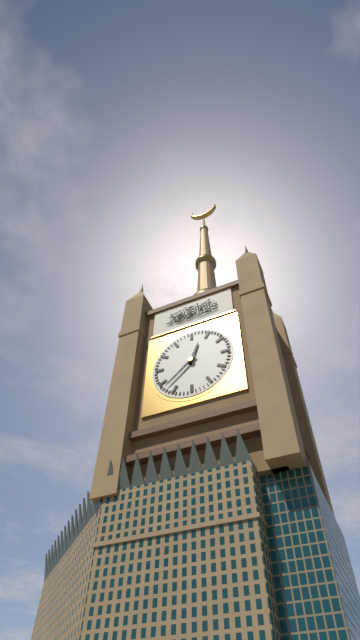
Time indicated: 12:38
